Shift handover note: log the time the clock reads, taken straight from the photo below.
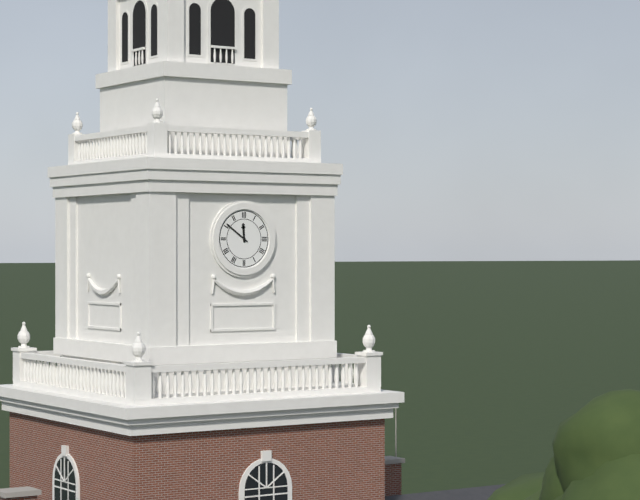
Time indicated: 11:51
